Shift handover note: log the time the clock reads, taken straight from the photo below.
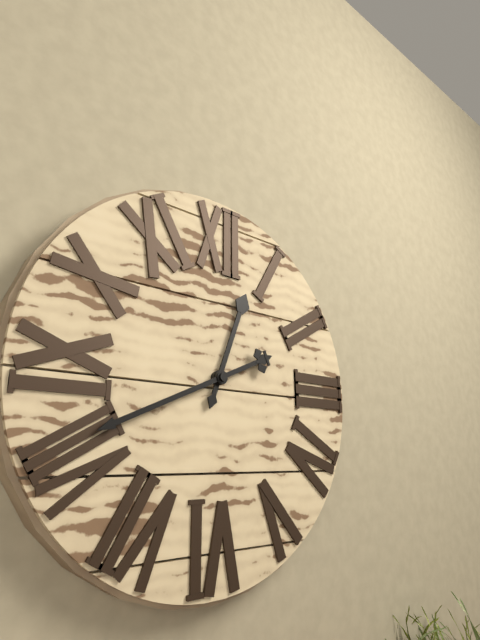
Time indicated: 12:41
